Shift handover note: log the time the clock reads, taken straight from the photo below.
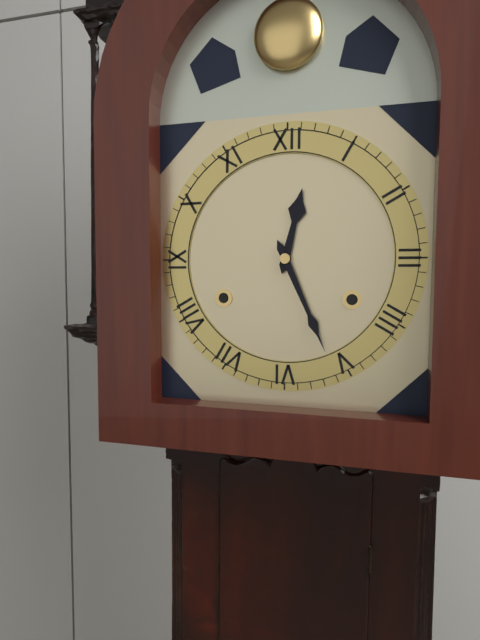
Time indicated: 12:26
